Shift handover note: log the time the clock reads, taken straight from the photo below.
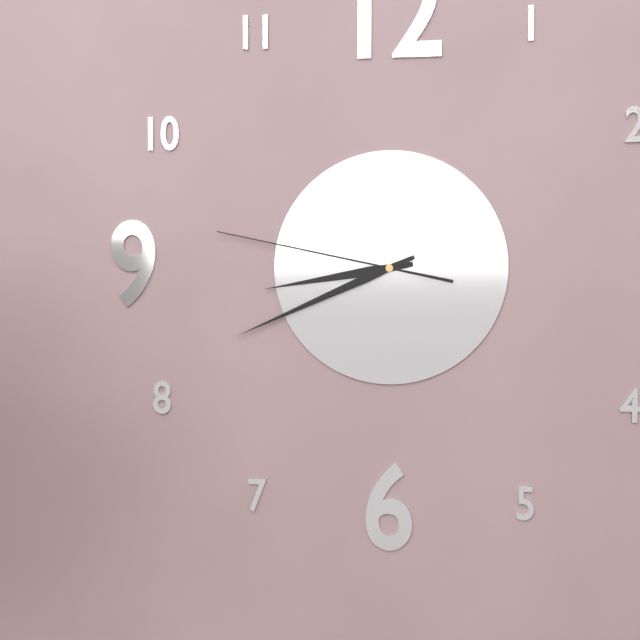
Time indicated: 8:41:47
